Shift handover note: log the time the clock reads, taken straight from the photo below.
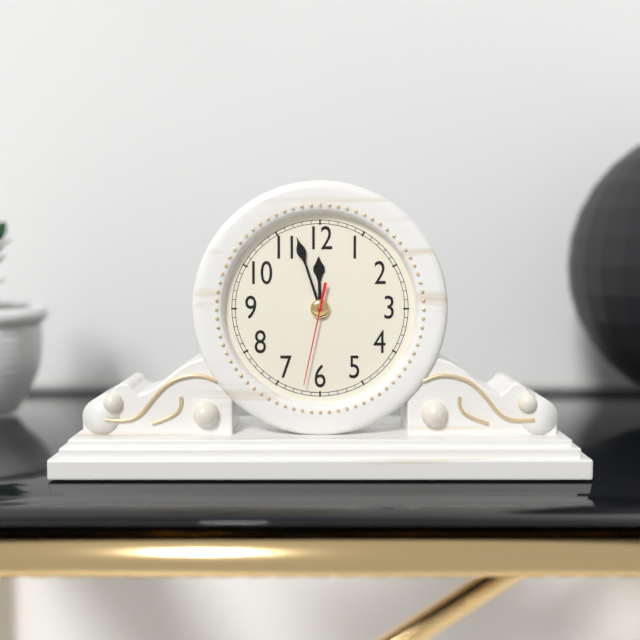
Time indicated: 11:57:32
